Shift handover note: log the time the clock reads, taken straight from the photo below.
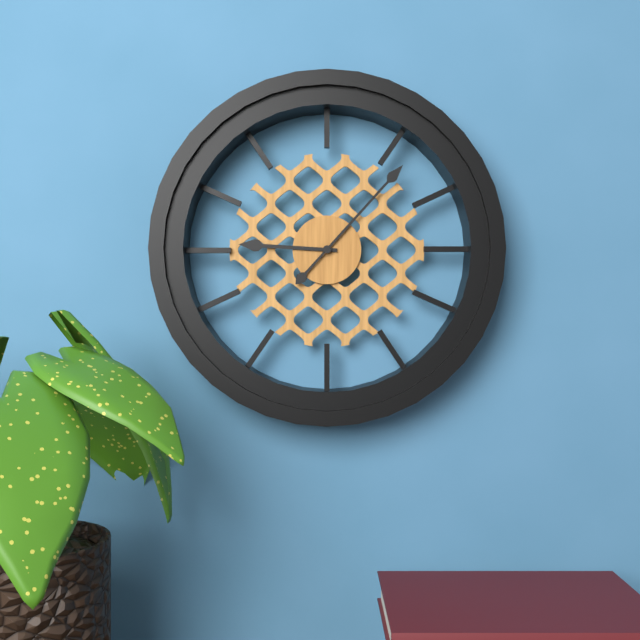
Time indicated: 9:07
